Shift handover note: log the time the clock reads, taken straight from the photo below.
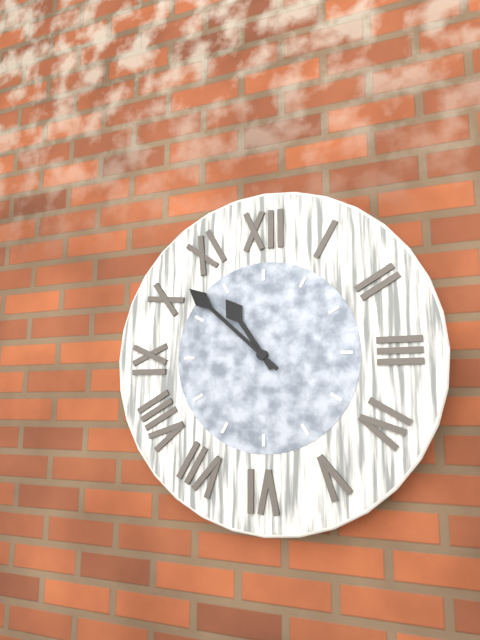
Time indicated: 10:52
